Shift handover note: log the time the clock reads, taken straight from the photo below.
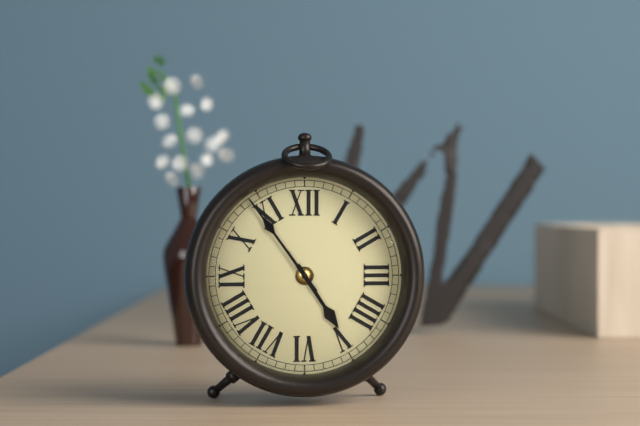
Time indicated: 4:54
